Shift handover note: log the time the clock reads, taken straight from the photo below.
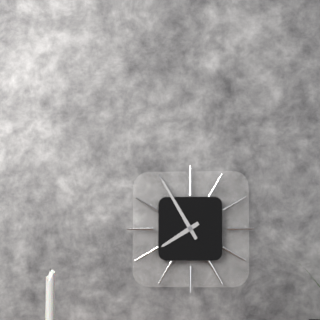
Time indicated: 7:55
